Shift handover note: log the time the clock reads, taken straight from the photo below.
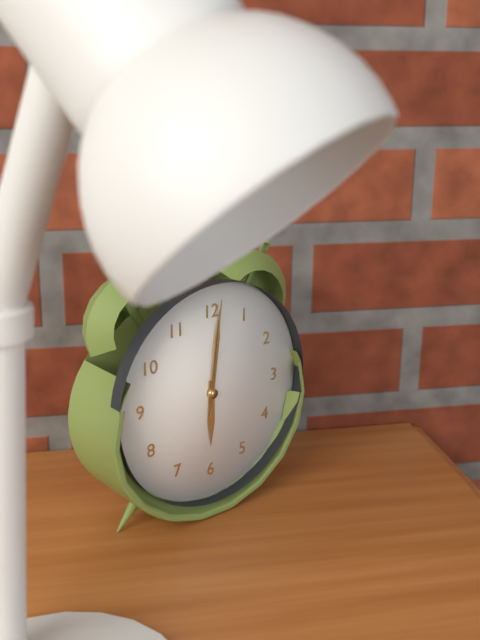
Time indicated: 6:01:01
